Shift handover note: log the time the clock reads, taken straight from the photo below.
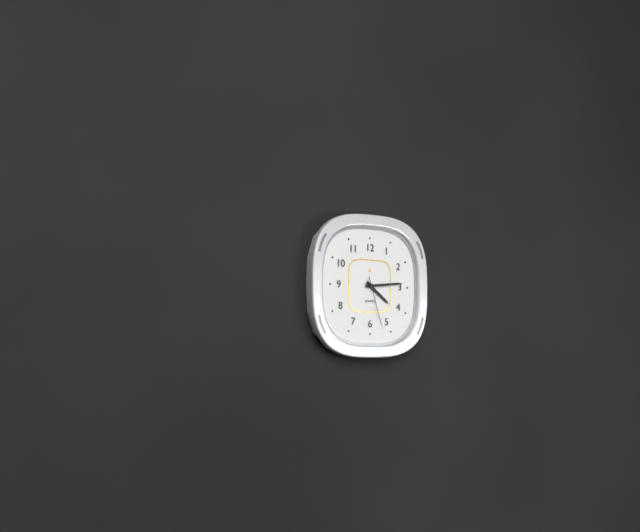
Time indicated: 4:14:27
